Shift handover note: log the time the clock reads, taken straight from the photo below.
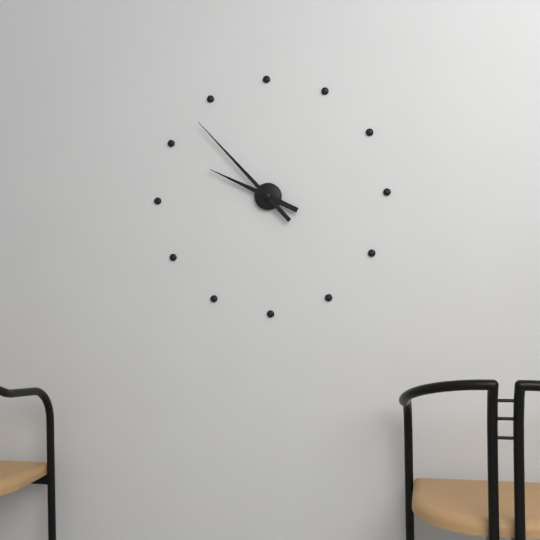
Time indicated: 9:53
